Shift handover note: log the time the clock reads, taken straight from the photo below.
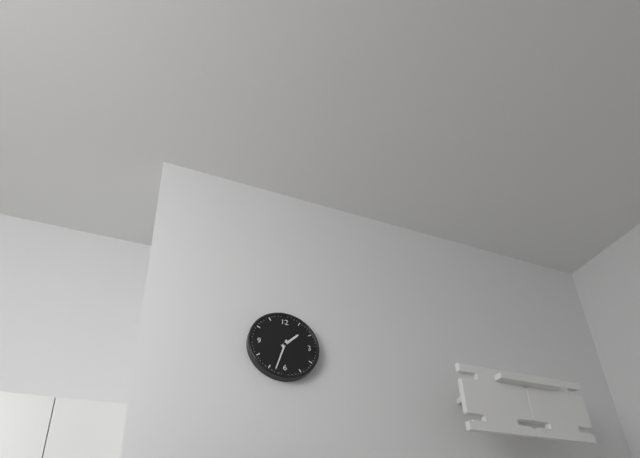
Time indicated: 1:33
